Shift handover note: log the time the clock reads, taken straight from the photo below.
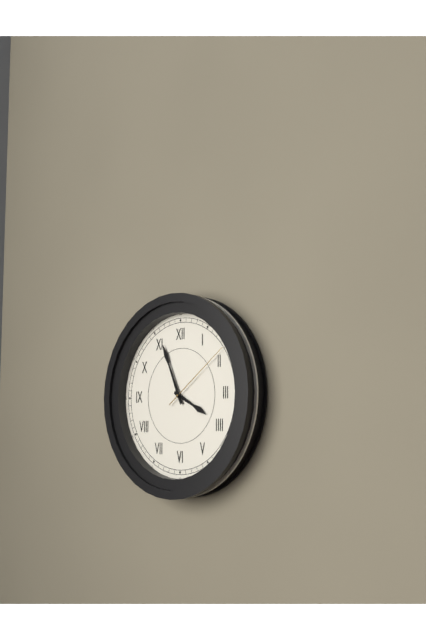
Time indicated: 3:56:09
